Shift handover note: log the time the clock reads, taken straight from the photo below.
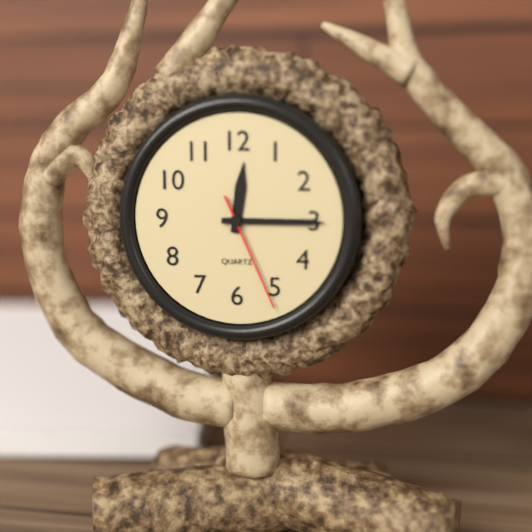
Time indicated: 12:15:26
